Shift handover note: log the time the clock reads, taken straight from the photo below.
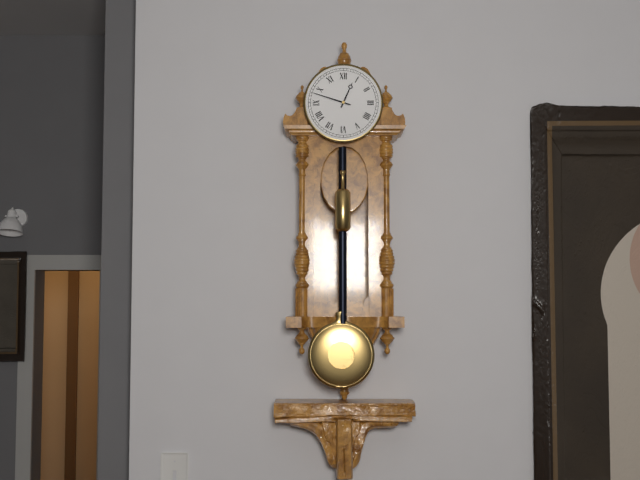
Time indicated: 12:48
